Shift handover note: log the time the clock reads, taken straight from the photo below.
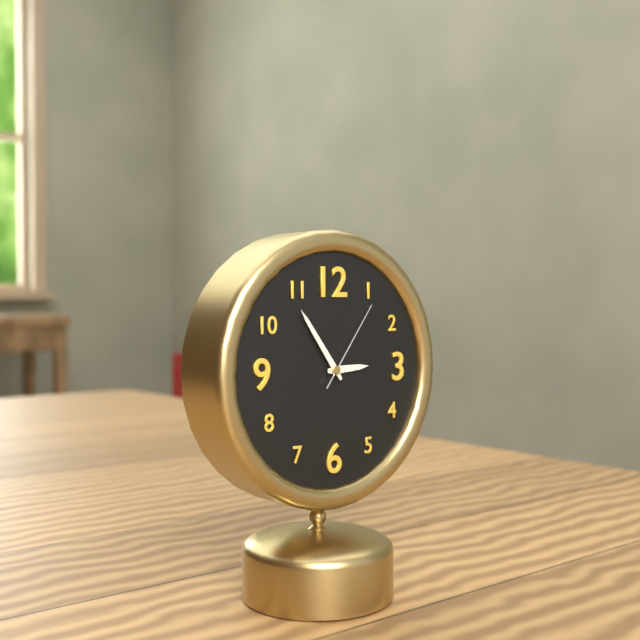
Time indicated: 2:54:06
